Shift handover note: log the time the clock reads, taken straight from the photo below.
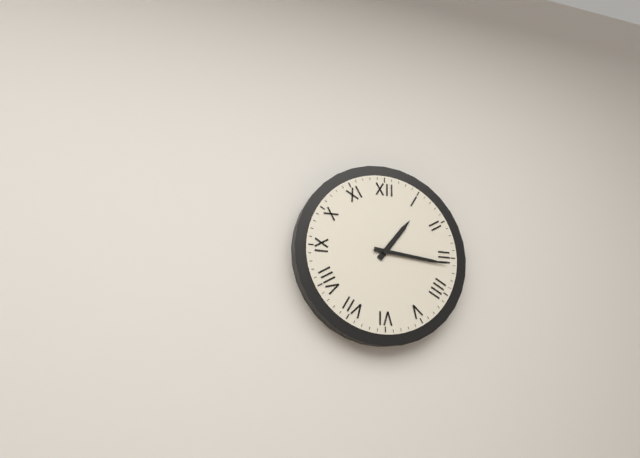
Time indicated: 1:16
